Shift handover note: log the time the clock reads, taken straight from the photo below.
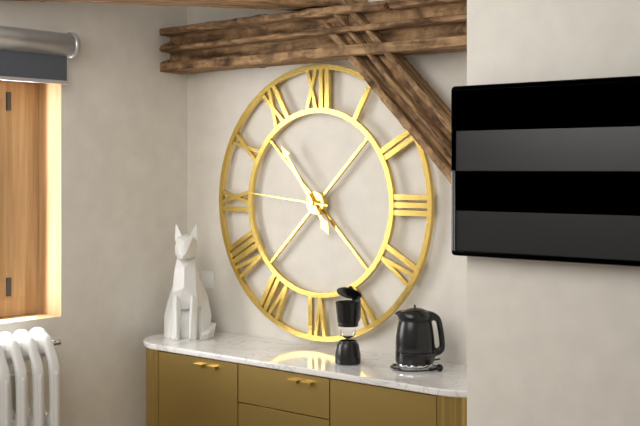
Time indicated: 4:54:46
